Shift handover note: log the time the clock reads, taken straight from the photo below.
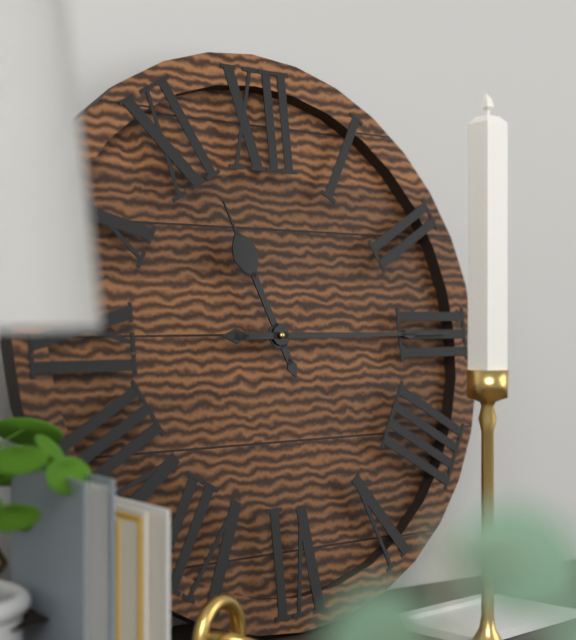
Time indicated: 11:15
